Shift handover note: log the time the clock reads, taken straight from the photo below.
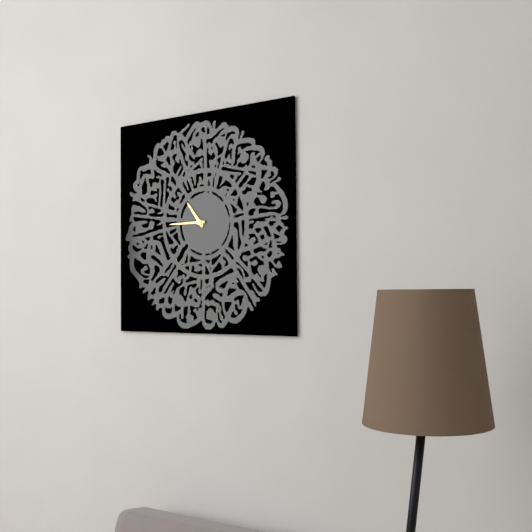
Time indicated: 10:45
